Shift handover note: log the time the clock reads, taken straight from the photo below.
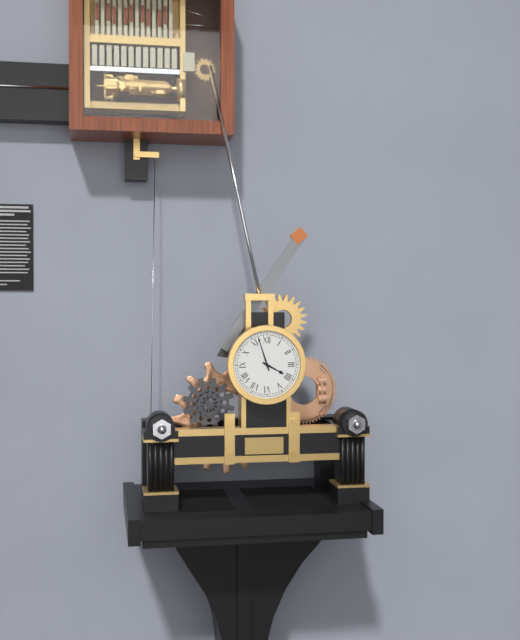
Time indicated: 3:57
